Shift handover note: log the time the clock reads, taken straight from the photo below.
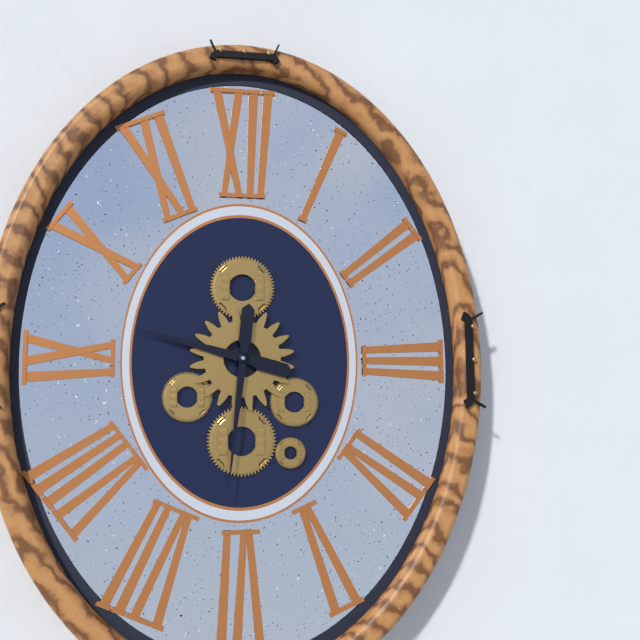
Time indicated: 9:31
